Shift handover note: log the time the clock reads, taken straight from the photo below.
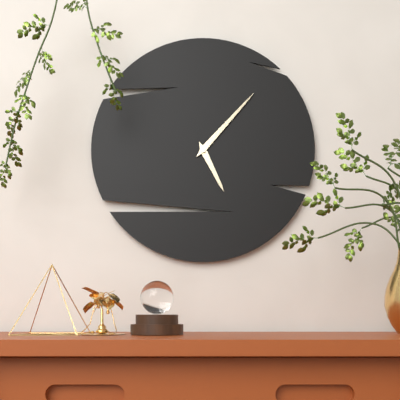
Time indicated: 5:07
